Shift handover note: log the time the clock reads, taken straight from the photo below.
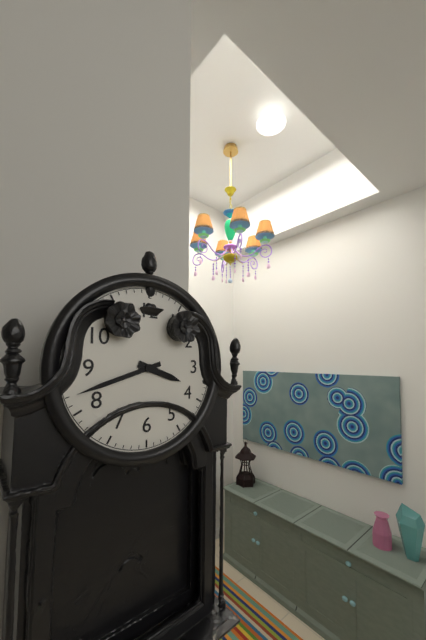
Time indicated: 3:42
